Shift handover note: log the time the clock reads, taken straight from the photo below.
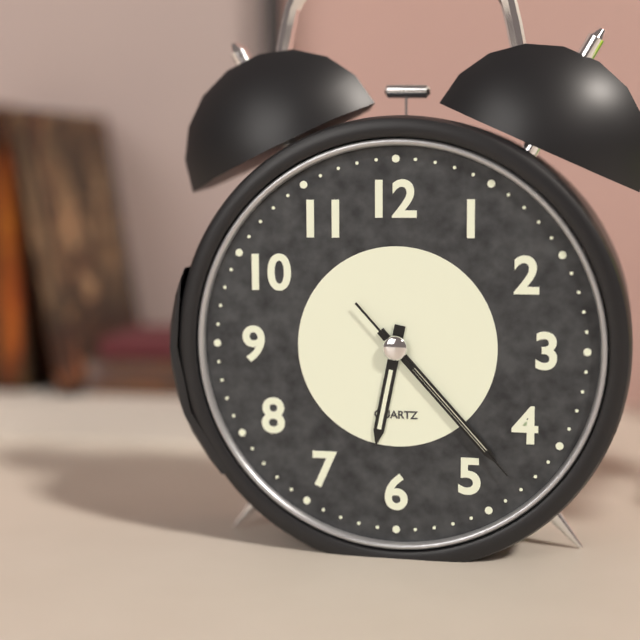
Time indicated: 6:23:23
